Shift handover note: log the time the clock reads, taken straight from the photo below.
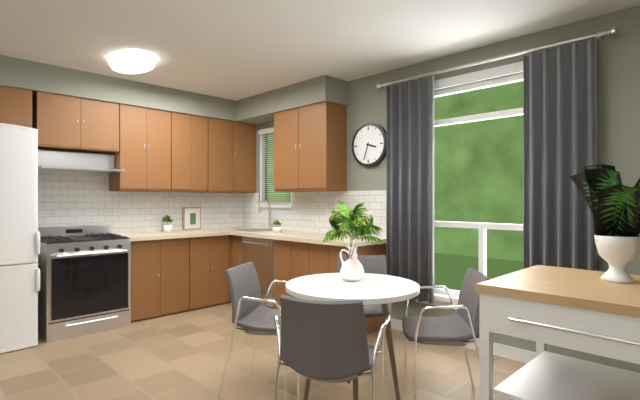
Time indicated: 3:33
